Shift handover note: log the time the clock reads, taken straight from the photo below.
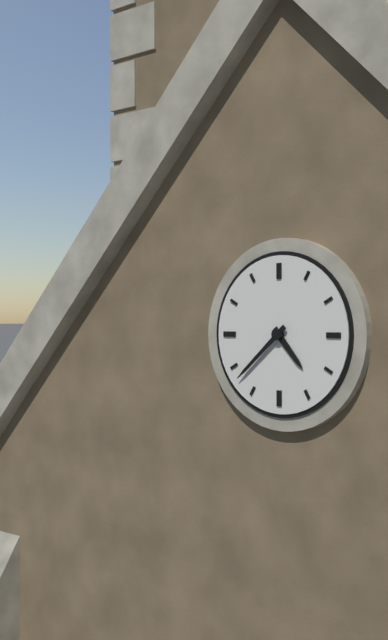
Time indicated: 4:38
